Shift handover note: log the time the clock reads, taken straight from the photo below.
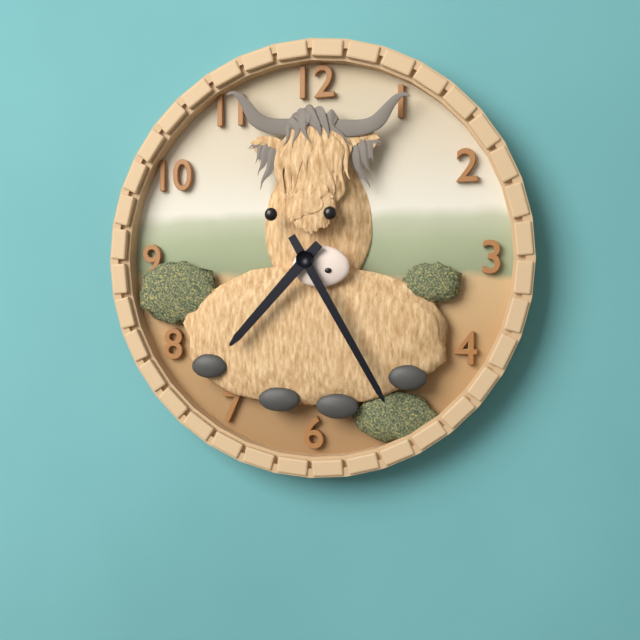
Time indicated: 7:25
